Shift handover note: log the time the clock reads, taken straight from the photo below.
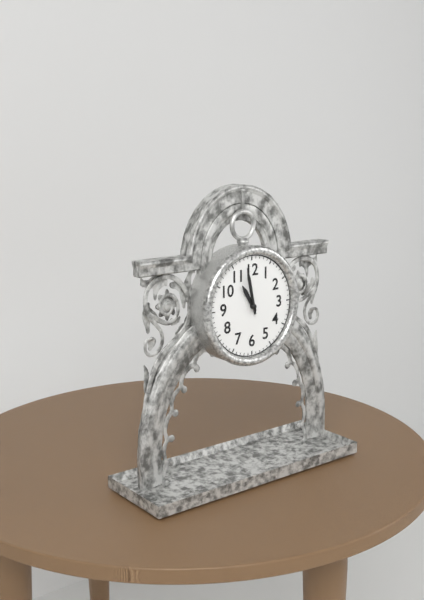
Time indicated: 10:58
